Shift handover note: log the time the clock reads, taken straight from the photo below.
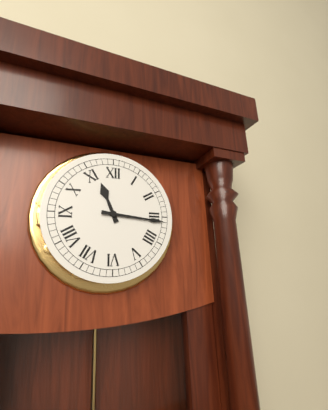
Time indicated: 11:16
